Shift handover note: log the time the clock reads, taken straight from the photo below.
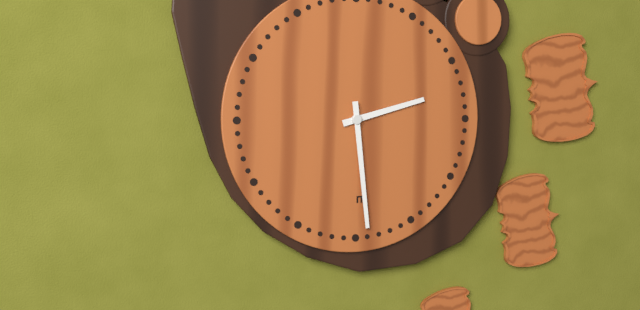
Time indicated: 2:29
